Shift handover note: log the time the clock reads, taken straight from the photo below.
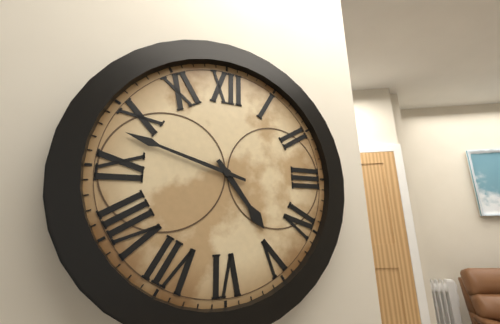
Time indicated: 4:48
